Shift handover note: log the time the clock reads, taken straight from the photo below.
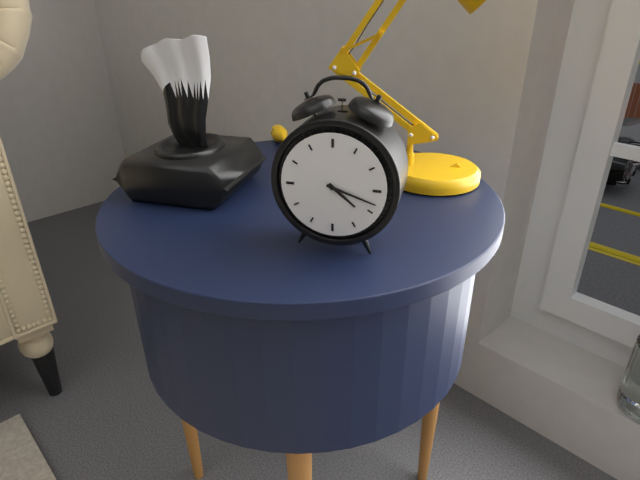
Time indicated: 4:18
